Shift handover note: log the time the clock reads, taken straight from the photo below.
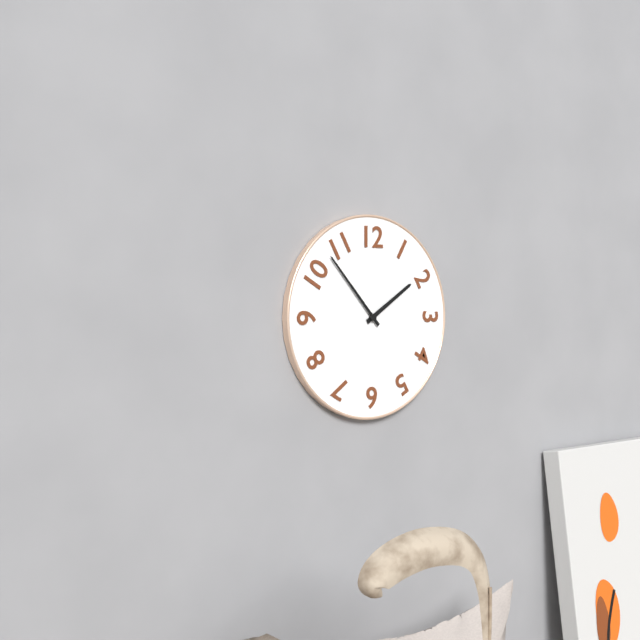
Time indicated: 1:53
